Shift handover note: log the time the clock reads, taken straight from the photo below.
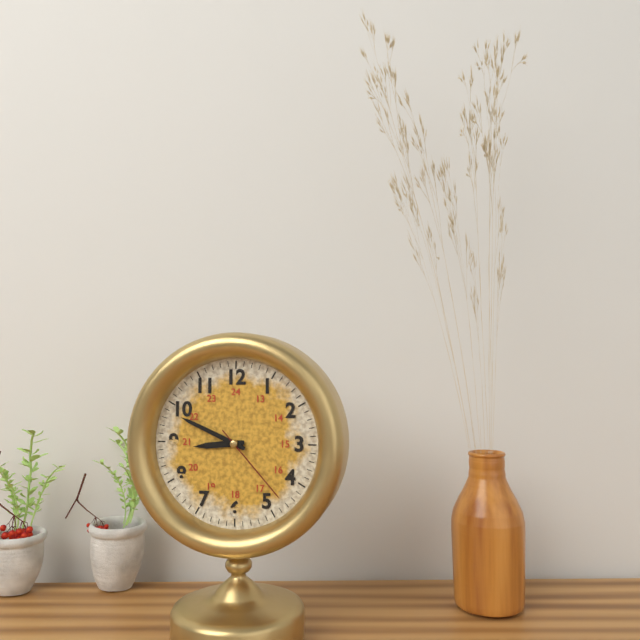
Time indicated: 8:49:23
